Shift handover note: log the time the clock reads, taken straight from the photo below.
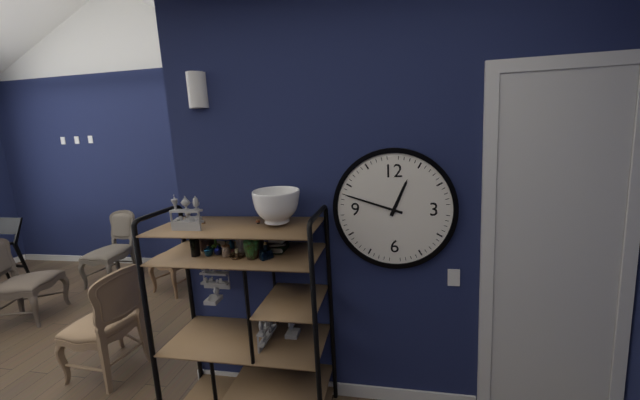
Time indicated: 12:48
